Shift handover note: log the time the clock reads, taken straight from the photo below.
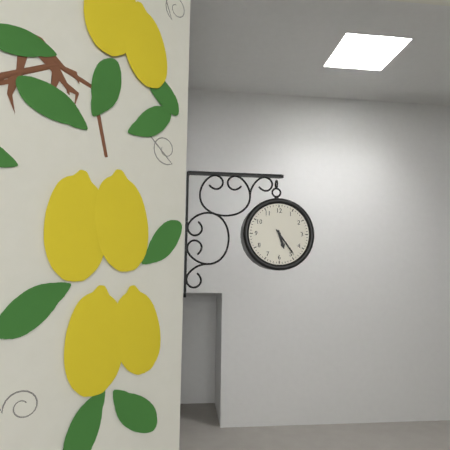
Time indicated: 5:24
